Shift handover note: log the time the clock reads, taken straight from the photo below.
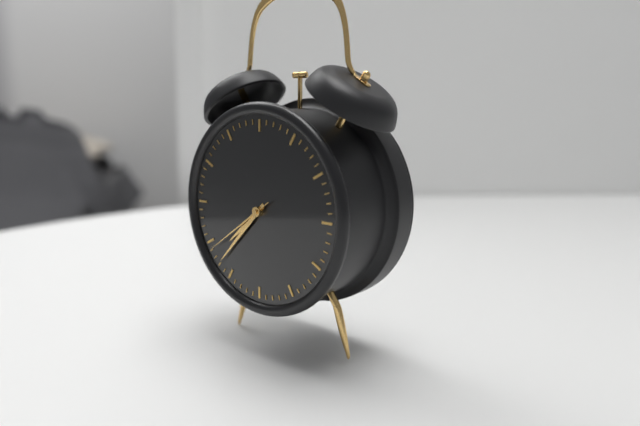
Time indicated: 7:37:39
